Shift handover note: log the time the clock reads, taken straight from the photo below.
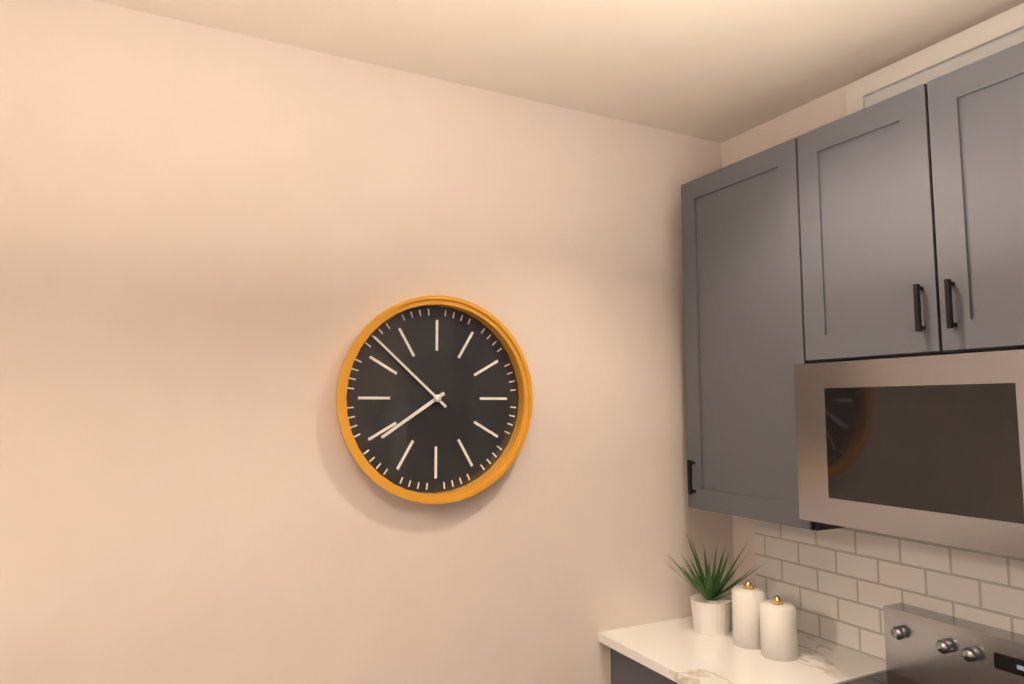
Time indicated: 7:52
